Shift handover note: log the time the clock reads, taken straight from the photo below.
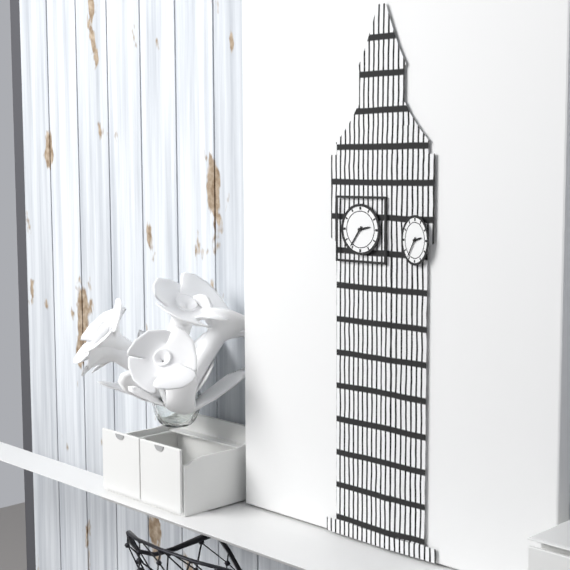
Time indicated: 2:36
